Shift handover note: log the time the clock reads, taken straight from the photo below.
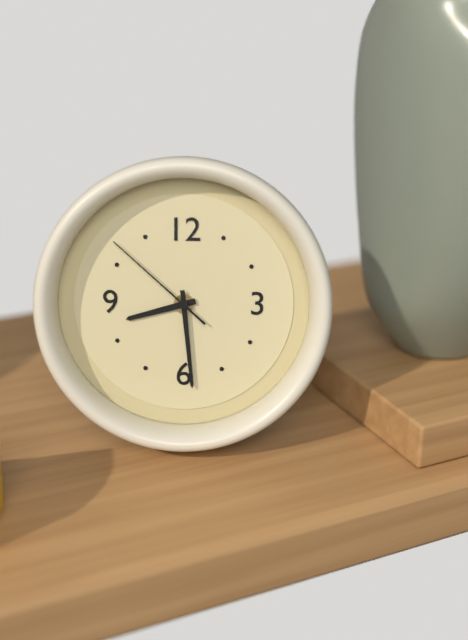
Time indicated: 8:29:52
